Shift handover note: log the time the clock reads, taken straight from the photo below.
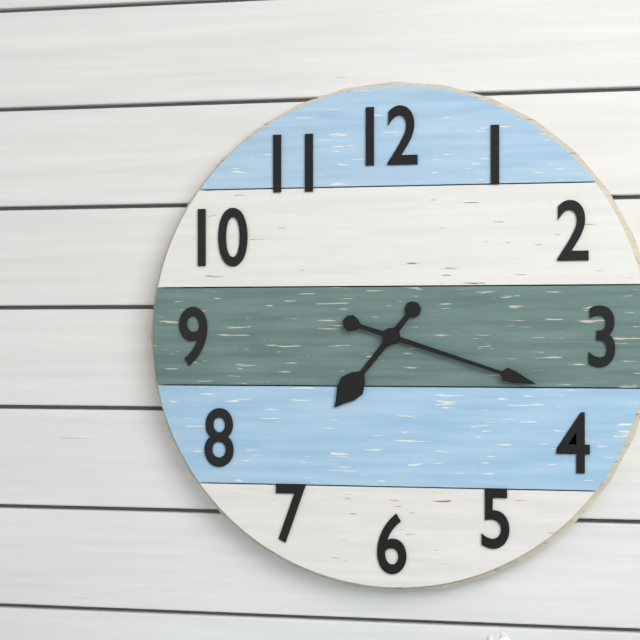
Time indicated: 7:18
